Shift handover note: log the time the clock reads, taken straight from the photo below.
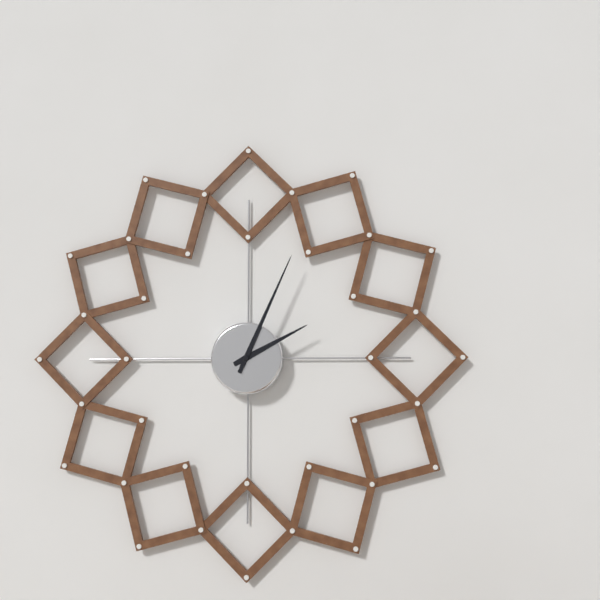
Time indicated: 2:04
